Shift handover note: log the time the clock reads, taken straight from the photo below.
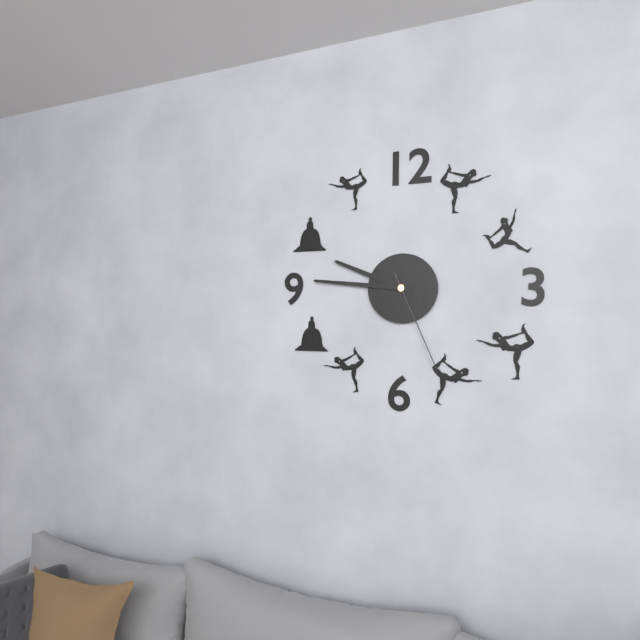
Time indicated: 9:46:26
